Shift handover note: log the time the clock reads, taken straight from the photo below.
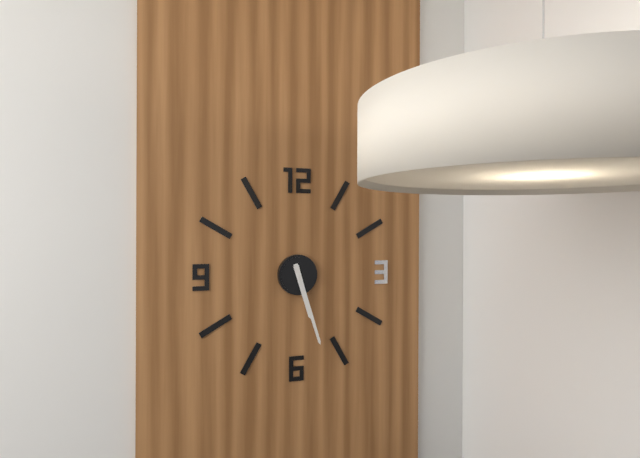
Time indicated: 5:27
